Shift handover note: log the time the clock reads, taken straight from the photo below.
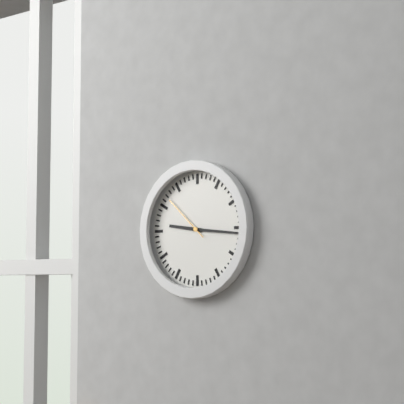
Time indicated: 9:16
